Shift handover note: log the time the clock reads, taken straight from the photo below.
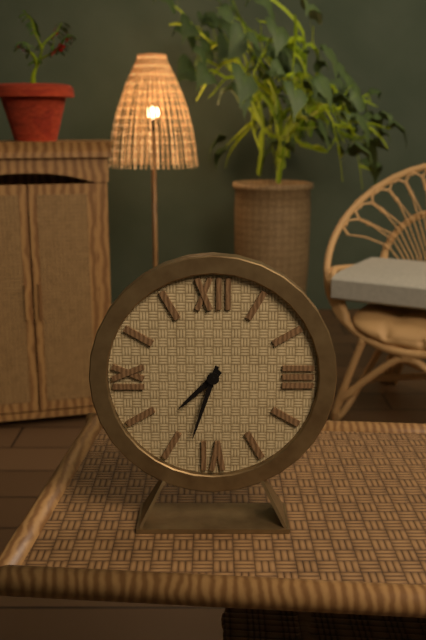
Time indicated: 7:33
